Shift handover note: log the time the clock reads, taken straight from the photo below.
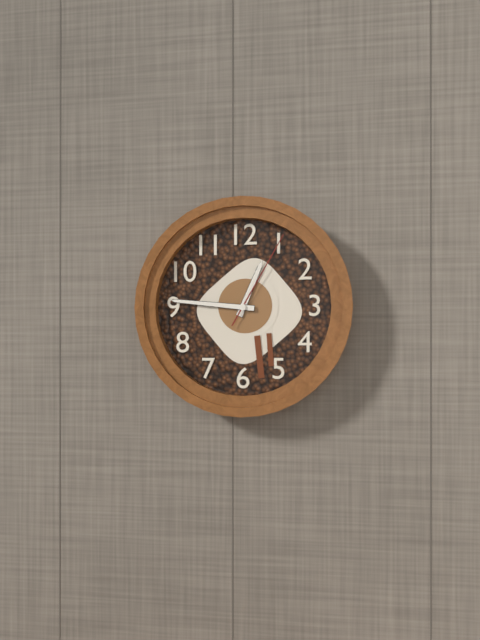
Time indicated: 12:46:05
